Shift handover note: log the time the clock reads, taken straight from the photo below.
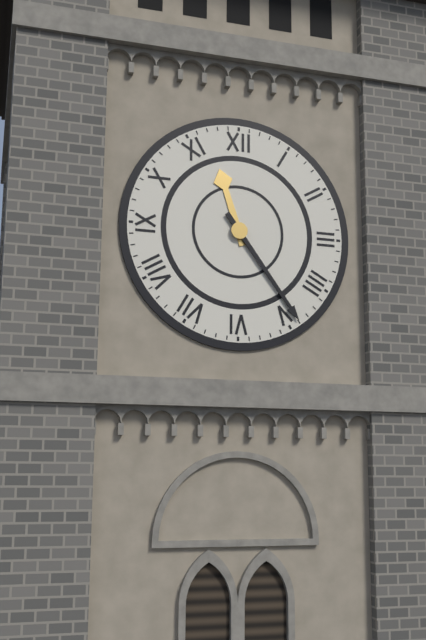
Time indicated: 11:24
